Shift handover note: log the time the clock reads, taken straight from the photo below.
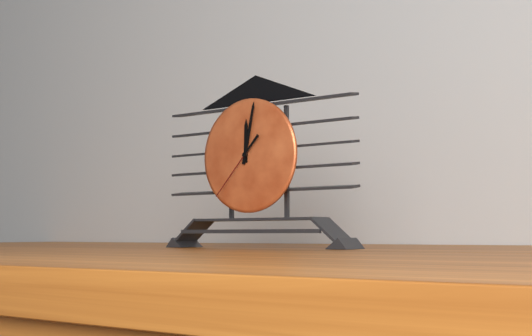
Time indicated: 12:02:37
